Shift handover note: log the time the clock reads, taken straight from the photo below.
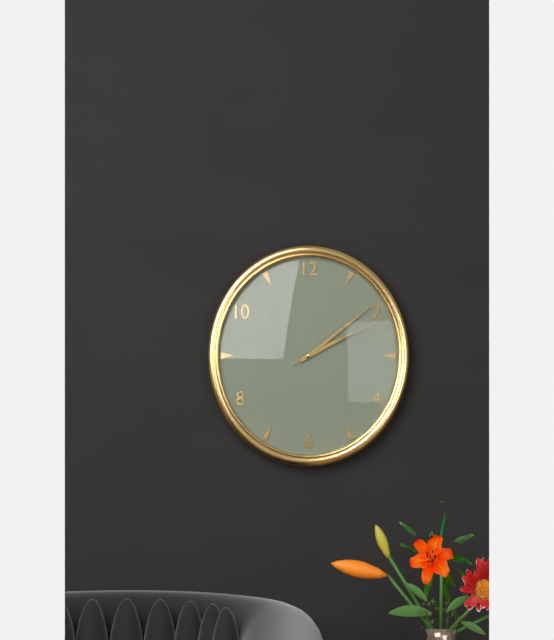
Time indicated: 2:09:11
